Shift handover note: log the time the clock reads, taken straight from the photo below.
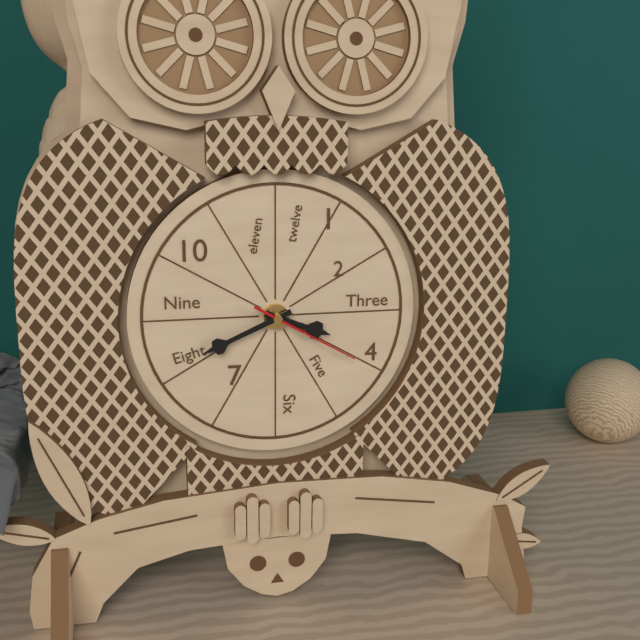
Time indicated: 3:41:20
